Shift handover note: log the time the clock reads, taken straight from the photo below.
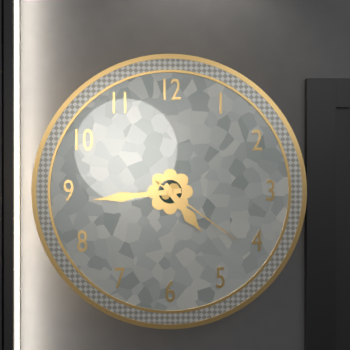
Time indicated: 4:44:21
